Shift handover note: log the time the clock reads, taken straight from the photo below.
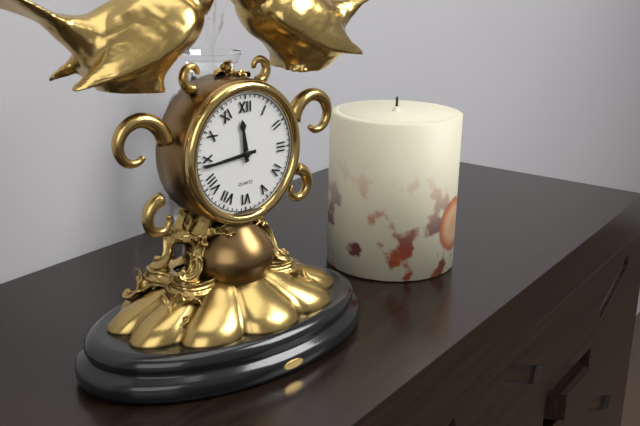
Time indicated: 11:44
